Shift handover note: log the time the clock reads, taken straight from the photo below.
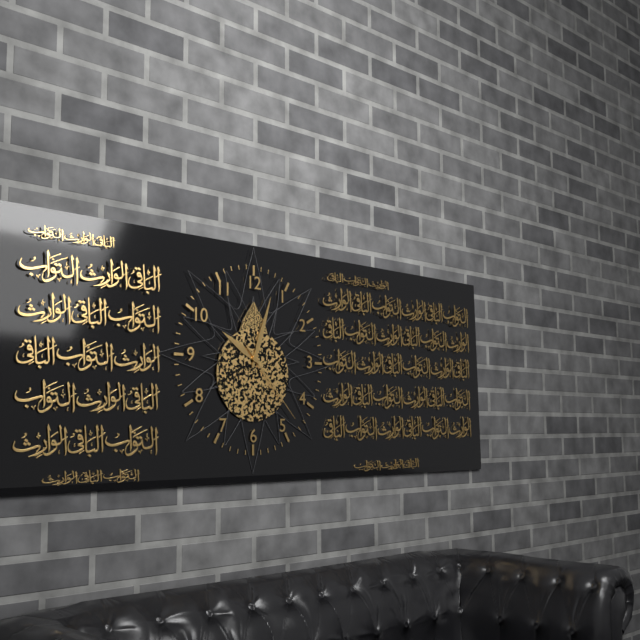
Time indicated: 10:03:23
